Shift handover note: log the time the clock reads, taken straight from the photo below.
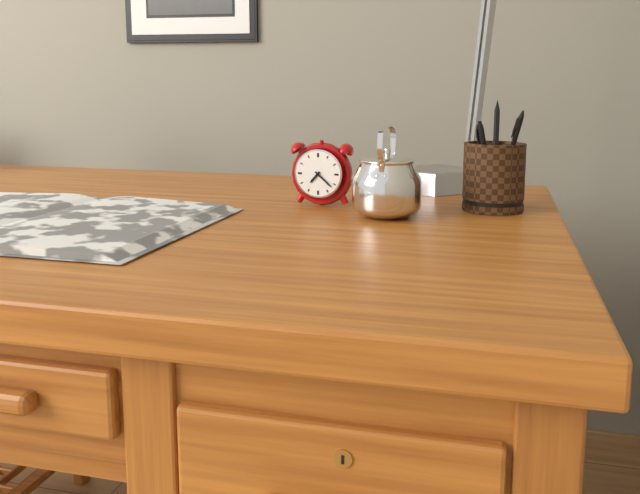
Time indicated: 7:22
